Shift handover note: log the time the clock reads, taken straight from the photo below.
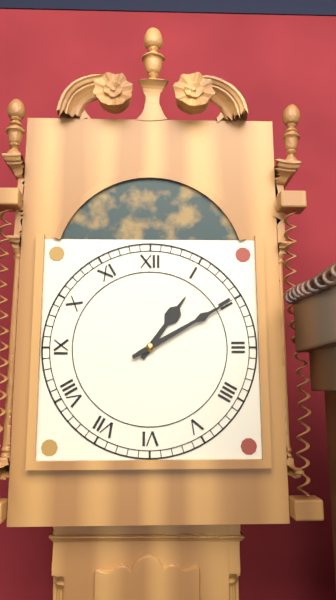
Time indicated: 1:10
